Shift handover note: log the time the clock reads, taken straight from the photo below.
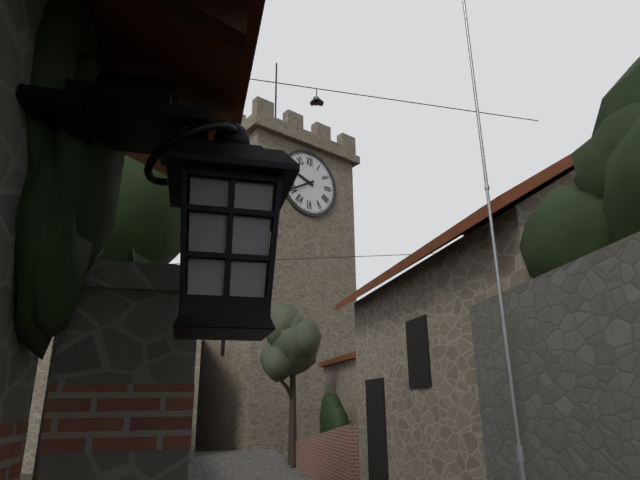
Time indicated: 9:40
